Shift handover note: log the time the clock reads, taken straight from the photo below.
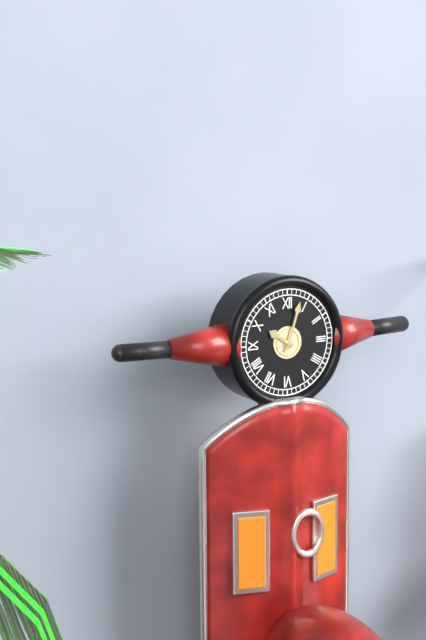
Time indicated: 10:03
